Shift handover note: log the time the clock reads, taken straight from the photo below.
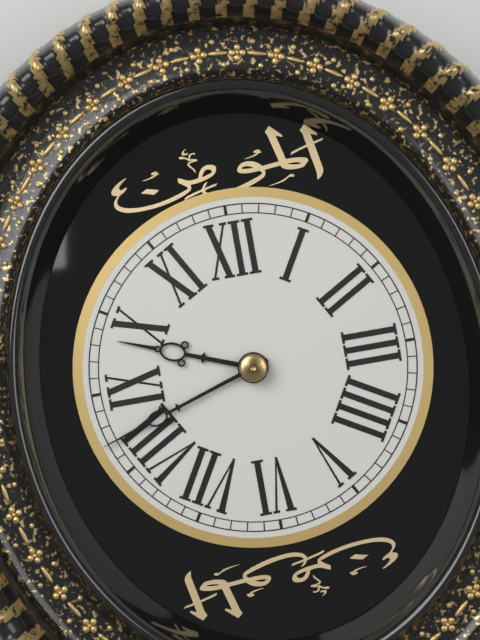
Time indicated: 9:42
